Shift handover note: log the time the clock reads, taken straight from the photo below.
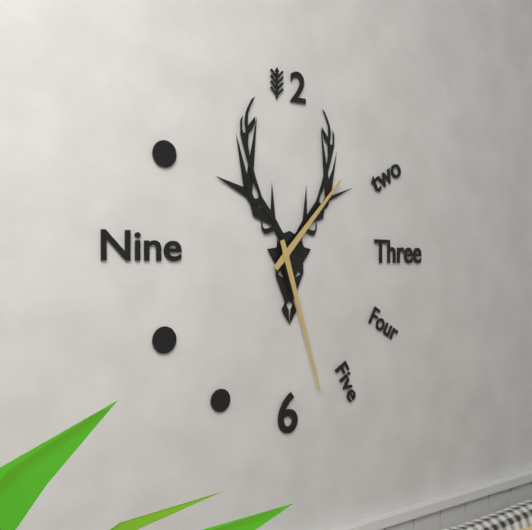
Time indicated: 1:27
